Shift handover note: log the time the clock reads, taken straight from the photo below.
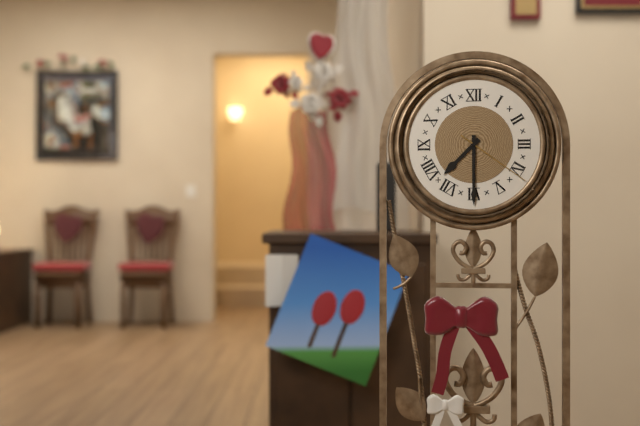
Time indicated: 7:30:21
